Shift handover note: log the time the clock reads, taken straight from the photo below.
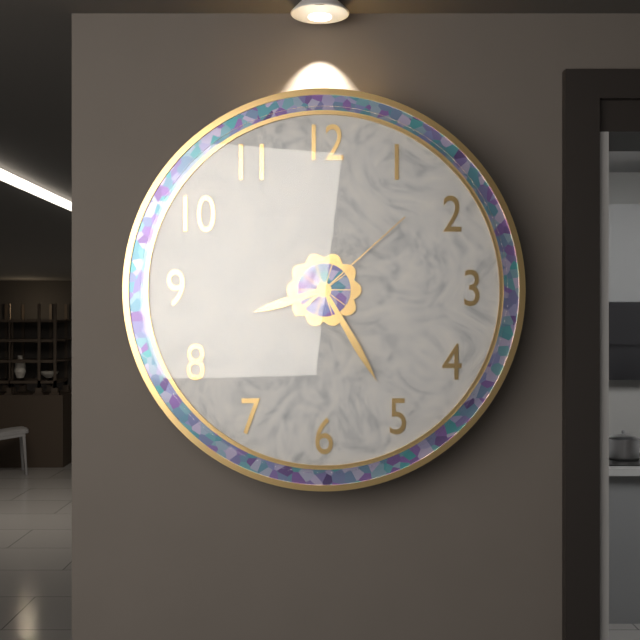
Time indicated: 8:25:08
